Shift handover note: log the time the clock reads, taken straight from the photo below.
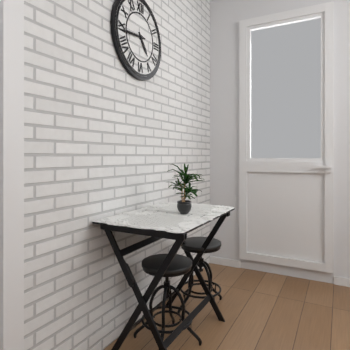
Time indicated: 4:44
